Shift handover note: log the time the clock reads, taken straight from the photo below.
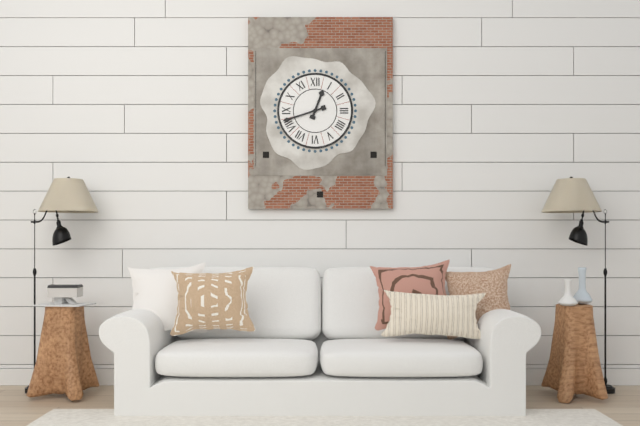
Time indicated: 12:42
